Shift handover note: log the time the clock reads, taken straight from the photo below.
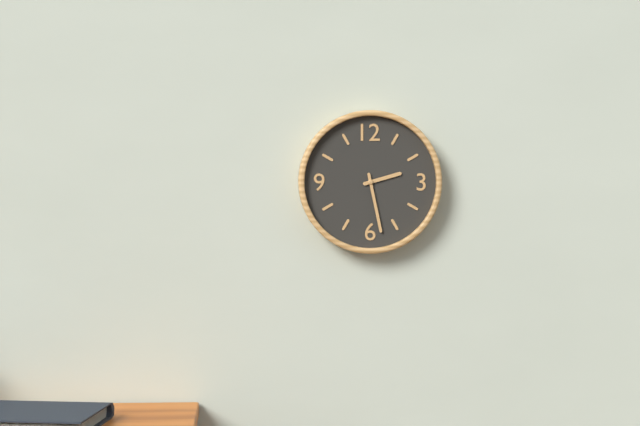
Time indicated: 2:28
